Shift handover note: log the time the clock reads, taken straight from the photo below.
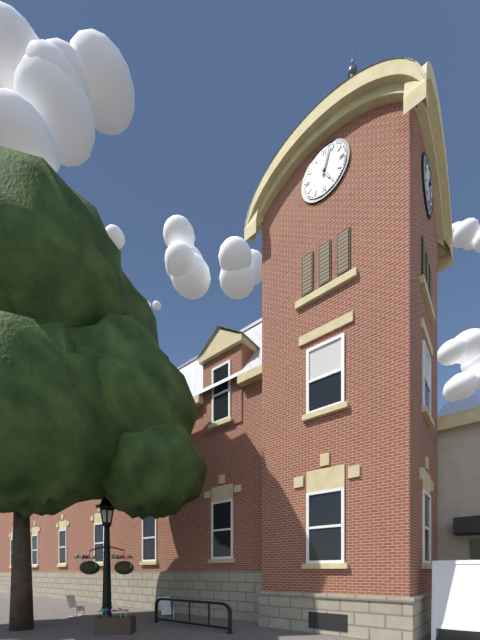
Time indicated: 5:03
